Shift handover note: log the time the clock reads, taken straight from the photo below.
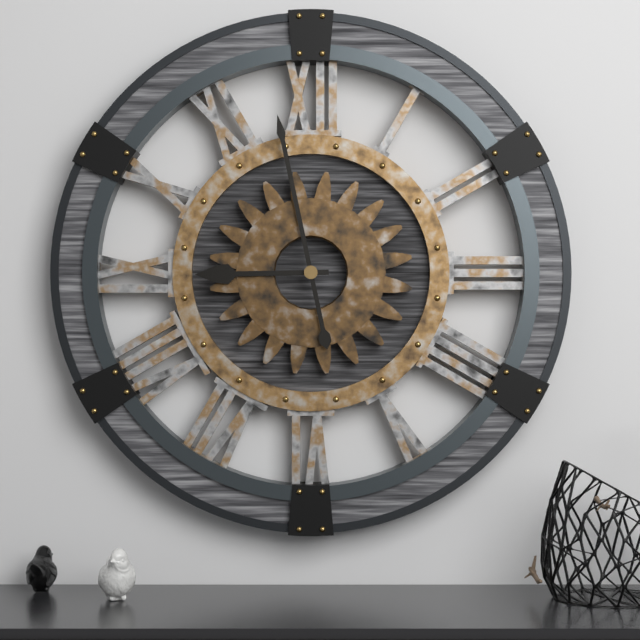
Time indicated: 8:58
